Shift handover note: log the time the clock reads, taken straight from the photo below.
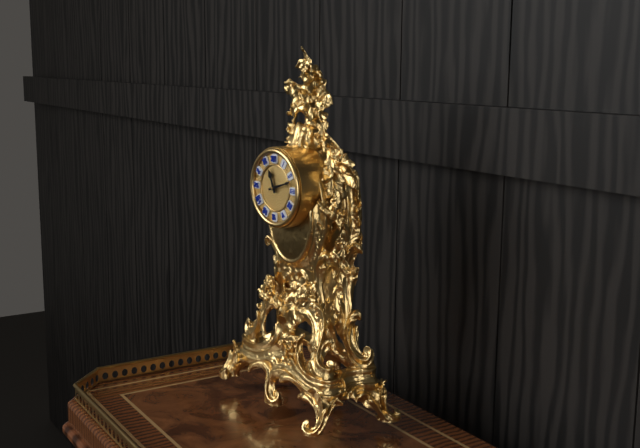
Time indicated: 11:12
